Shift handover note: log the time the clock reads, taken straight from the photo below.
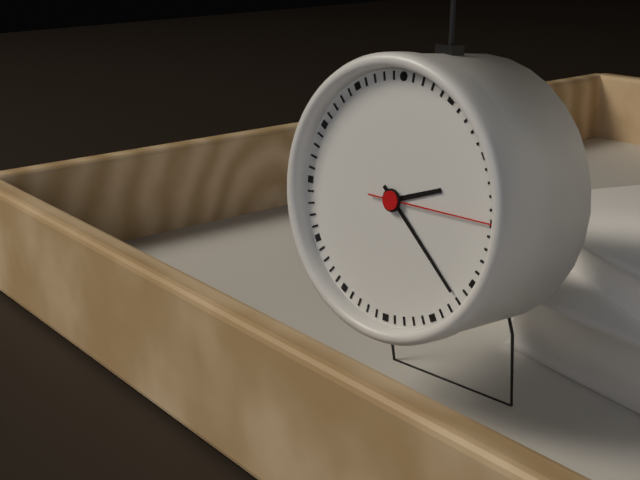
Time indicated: 2:22:15
